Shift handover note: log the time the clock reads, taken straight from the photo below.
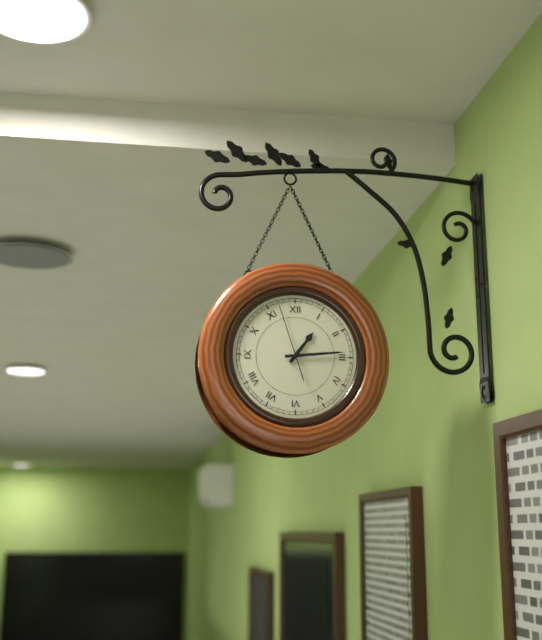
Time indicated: 1:14:57
